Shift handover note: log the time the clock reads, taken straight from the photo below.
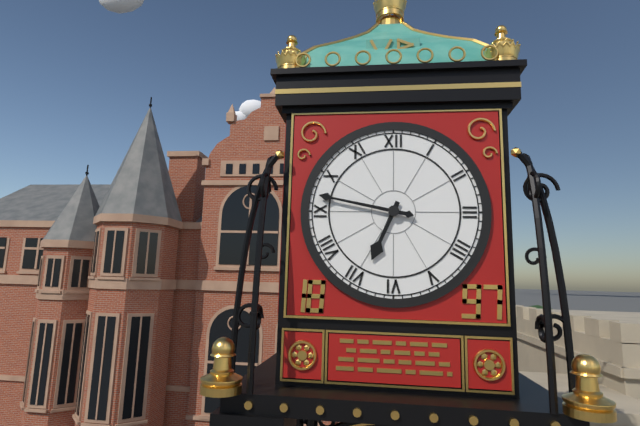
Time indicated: 6:47
